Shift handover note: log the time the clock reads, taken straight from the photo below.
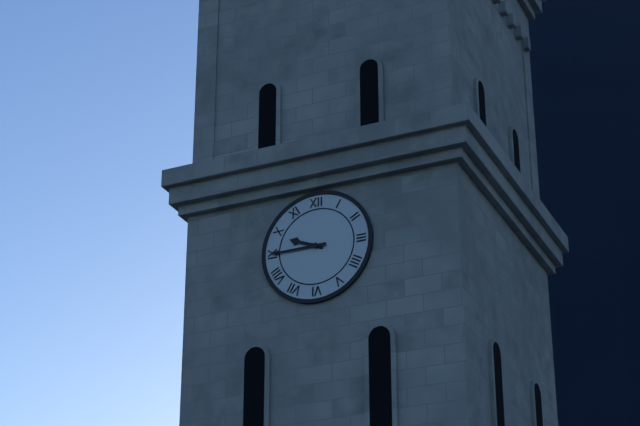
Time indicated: 9:45
